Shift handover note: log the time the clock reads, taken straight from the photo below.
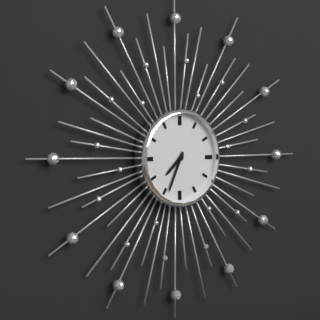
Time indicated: 7:34
